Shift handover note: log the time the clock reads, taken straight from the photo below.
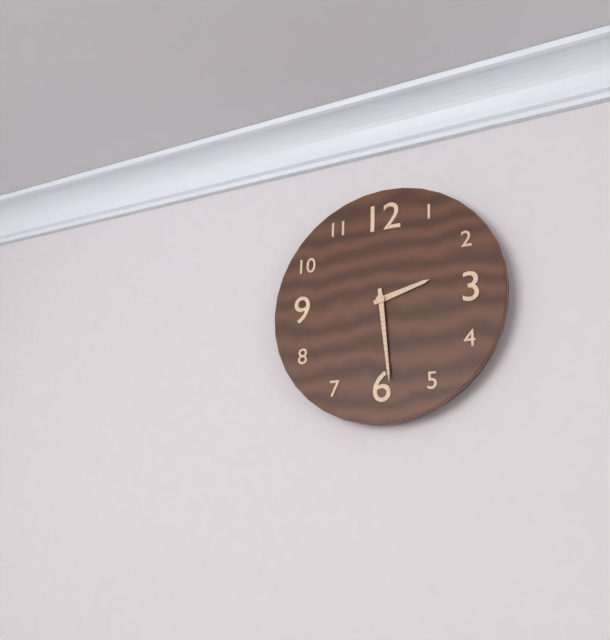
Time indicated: 2:29
